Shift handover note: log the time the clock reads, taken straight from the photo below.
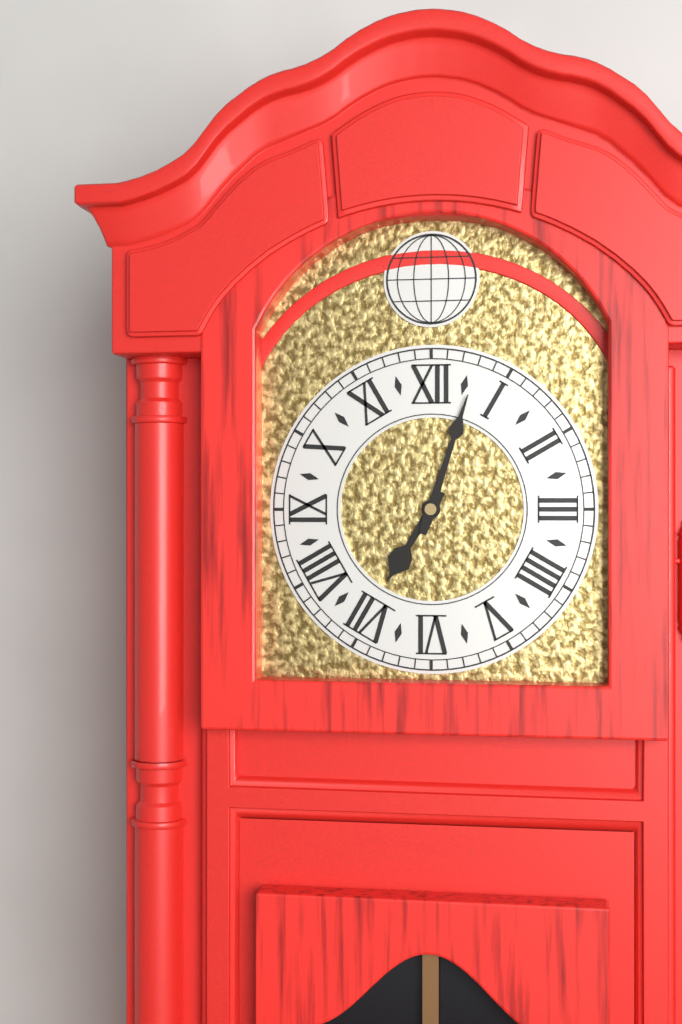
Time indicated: 7:03
